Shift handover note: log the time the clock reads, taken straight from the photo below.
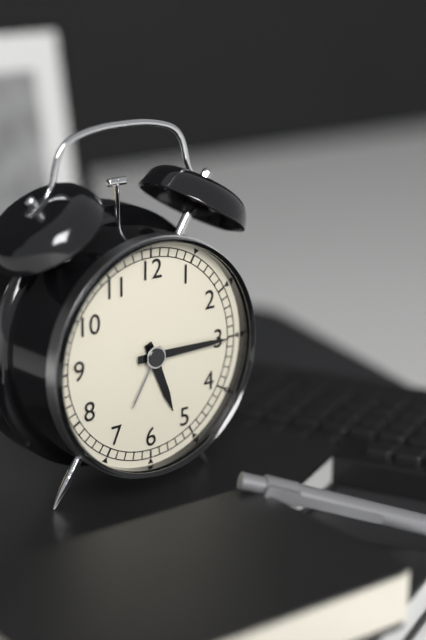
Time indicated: 5:15
